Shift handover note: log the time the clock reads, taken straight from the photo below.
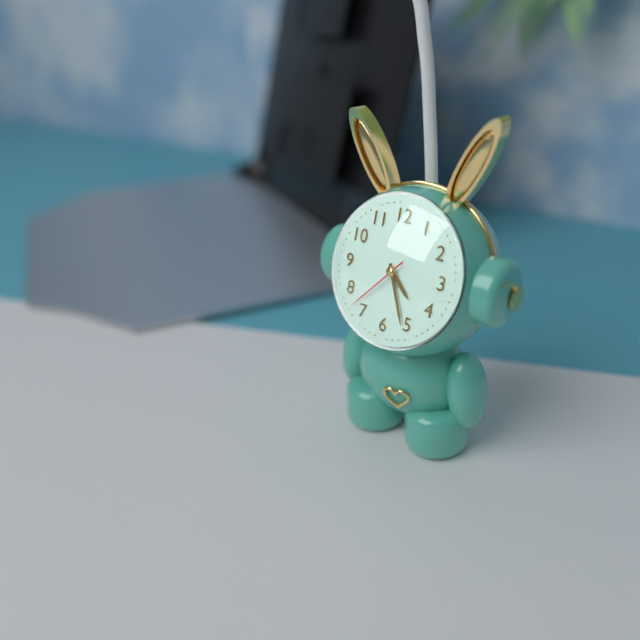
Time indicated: 4:26:37
